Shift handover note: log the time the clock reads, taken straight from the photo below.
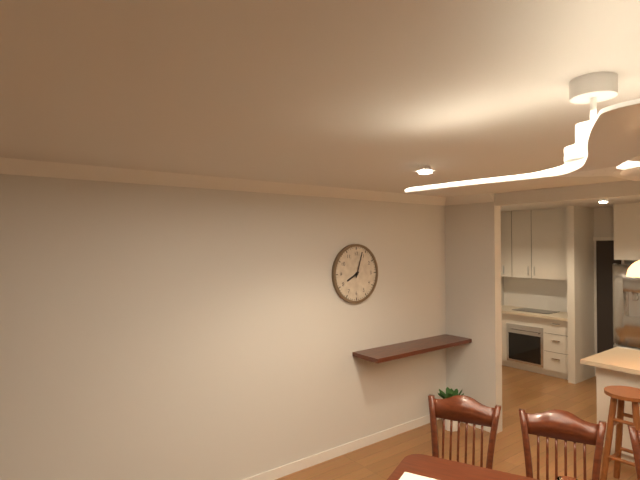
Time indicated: 8:03
